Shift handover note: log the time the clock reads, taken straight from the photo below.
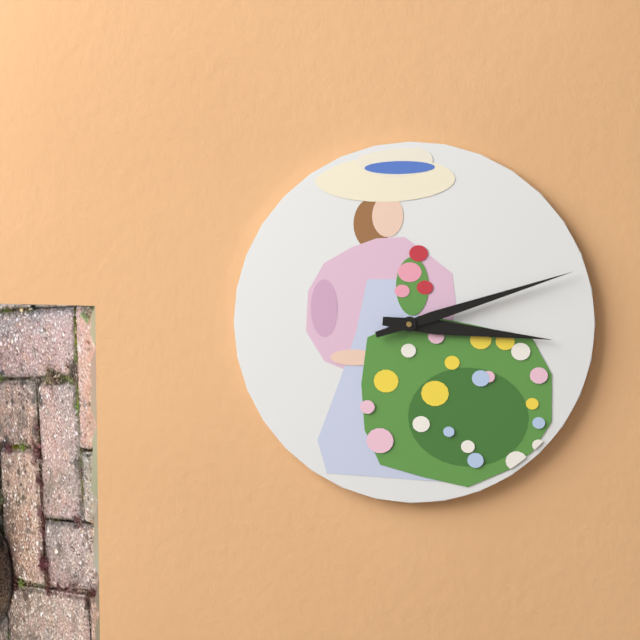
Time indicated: 3:12
